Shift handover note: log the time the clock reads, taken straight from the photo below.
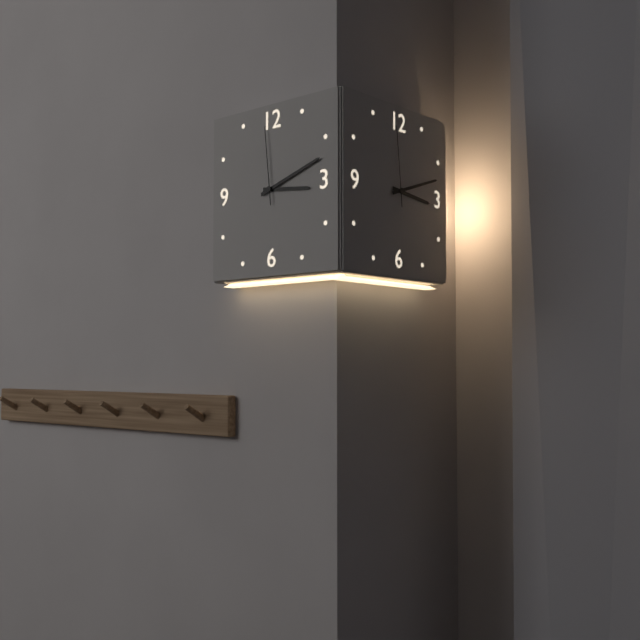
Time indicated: 3:12:59
